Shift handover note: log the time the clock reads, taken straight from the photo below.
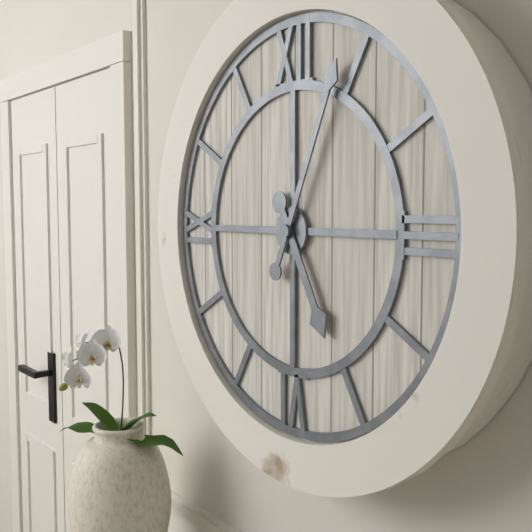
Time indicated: 5:04
